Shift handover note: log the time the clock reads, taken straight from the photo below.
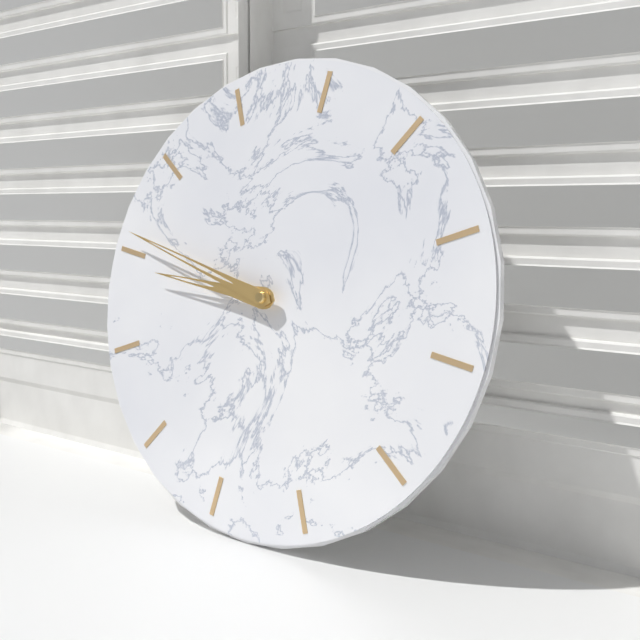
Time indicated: 9:51
